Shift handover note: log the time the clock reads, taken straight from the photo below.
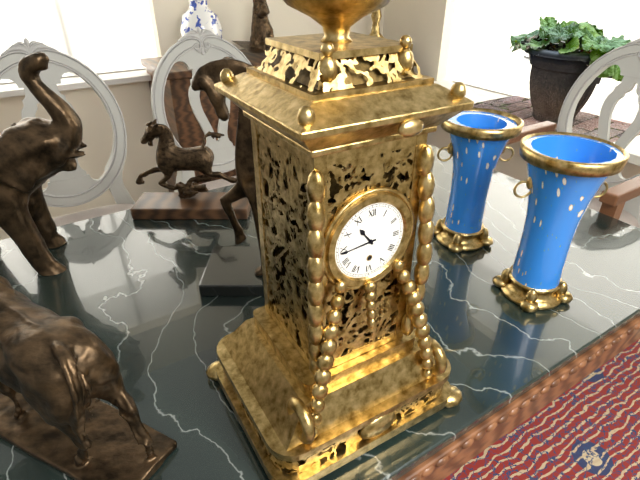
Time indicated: 10:44
